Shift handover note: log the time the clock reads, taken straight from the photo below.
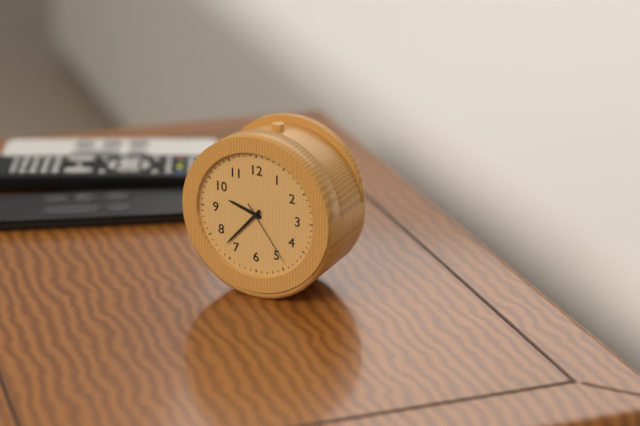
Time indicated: 9:37:24
